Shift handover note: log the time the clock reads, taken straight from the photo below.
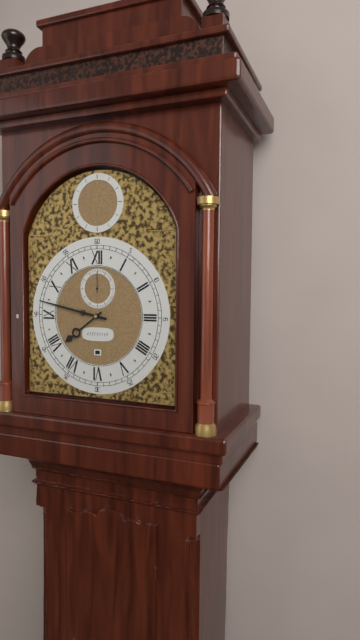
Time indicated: 7:47
